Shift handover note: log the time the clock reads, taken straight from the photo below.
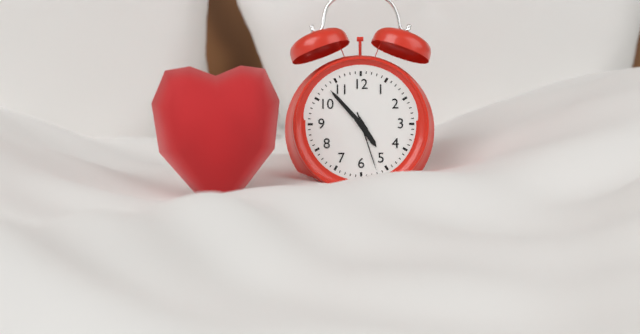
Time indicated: 4:53:27
